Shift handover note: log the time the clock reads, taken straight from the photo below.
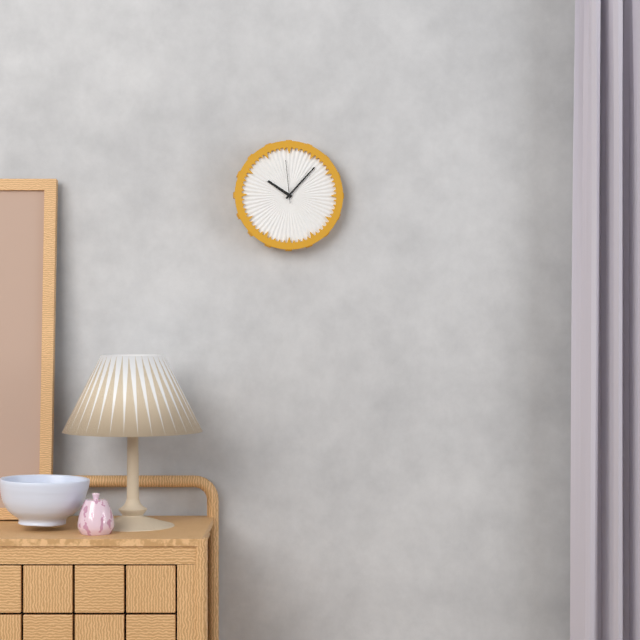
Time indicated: 10:07
